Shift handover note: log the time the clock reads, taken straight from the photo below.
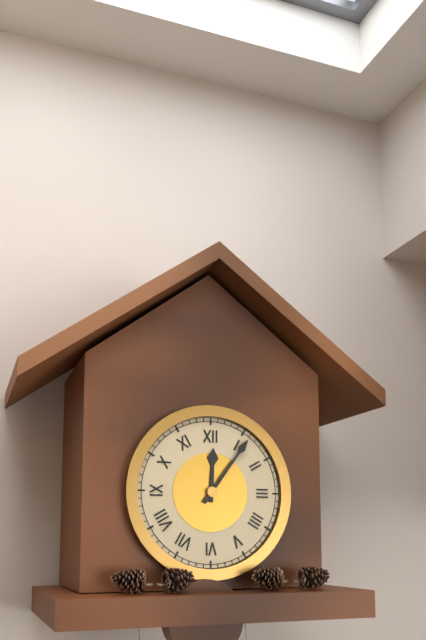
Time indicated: 12:06
